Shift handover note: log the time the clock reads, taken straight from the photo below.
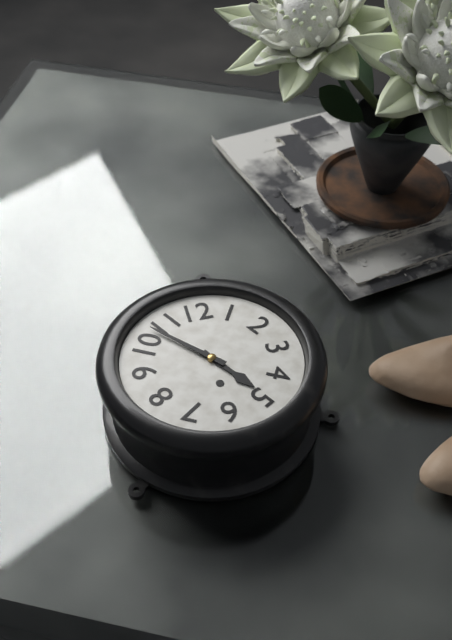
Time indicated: 4:53
